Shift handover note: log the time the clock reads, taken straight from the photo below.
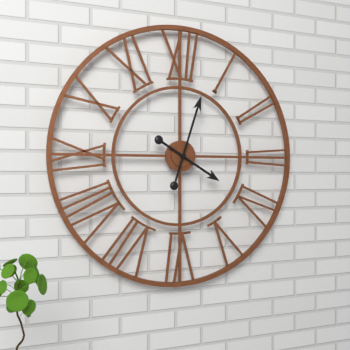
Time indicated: 4:03
